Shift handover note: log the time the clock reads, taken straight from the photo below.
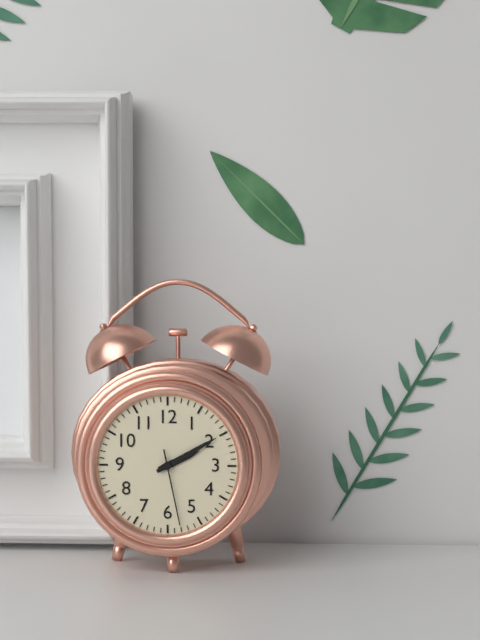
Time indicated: 2:10:28
